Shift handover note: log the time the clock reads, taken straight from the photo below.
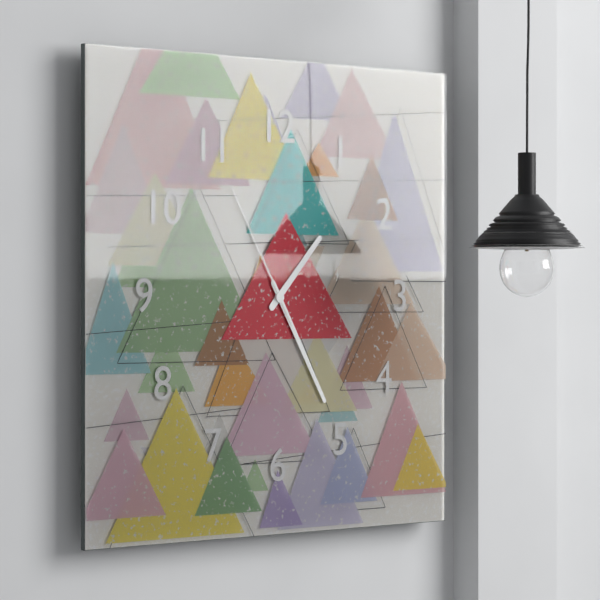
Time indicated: 1:25:55
